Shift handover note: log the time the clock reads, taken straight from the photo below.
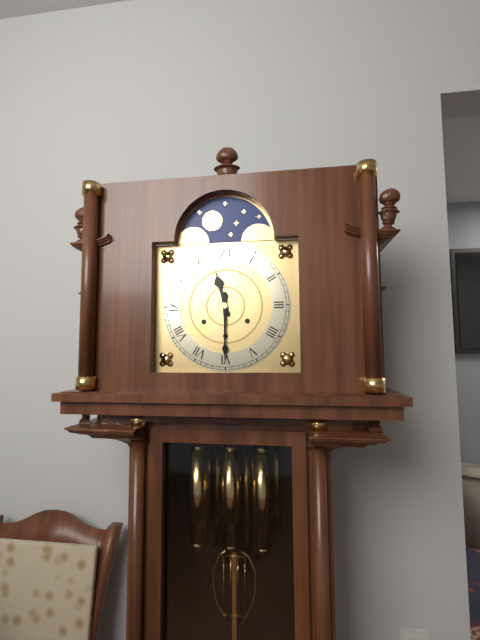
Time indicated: 11:30
